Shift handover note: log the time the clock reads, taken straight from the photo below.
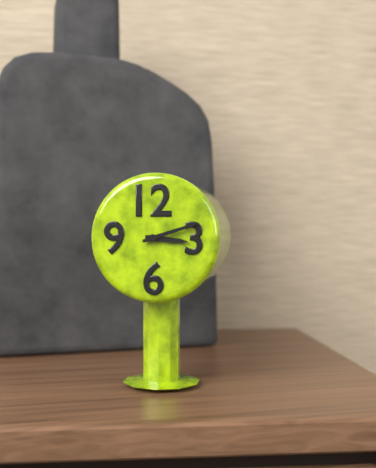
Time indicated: 3:12
